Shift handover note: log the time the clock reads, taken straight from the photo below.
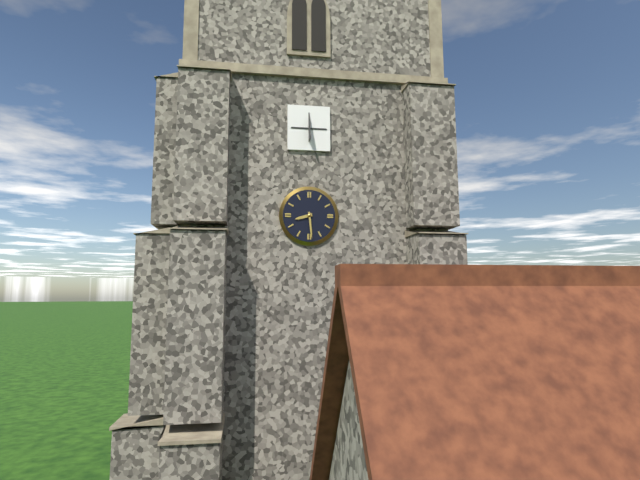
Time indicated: 8:29
